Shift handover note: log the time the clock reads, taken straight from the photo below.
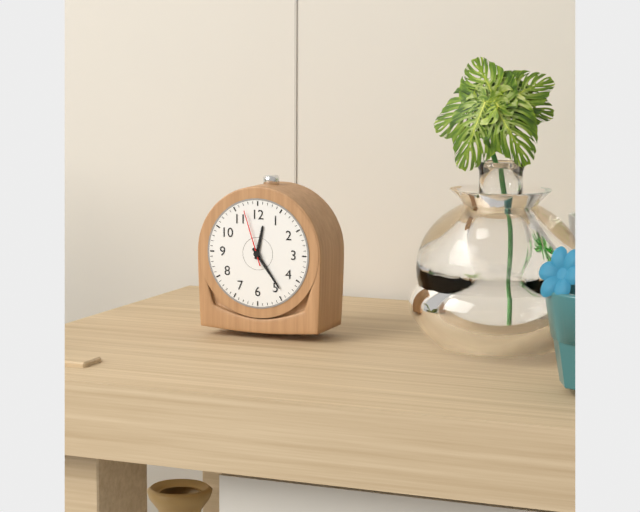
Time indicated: 12:24:57
